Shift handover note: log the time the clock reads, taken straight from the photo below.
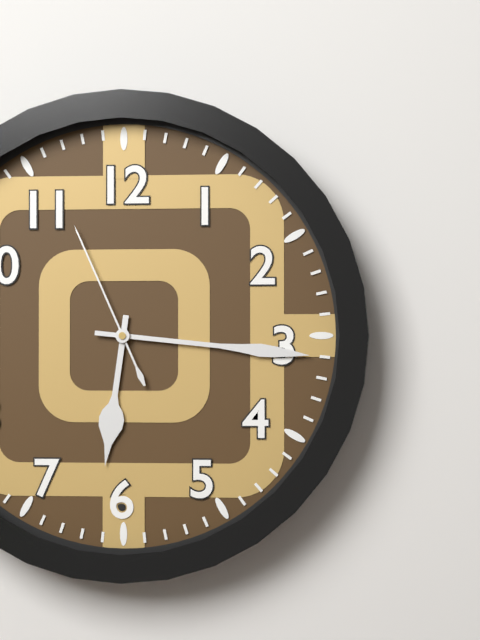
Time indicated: 6:16:56
